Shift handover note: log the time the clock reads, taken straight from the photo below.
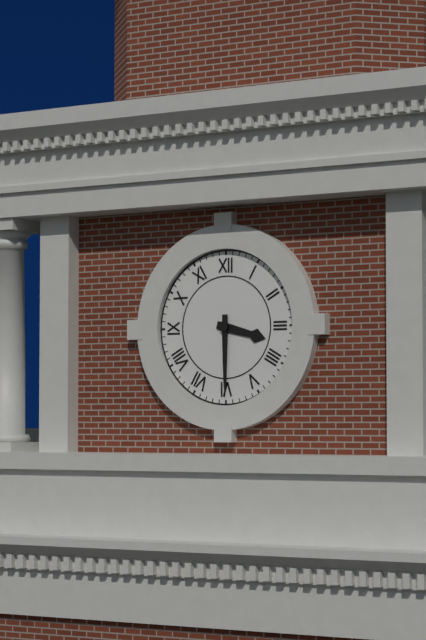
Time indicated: 3:30
